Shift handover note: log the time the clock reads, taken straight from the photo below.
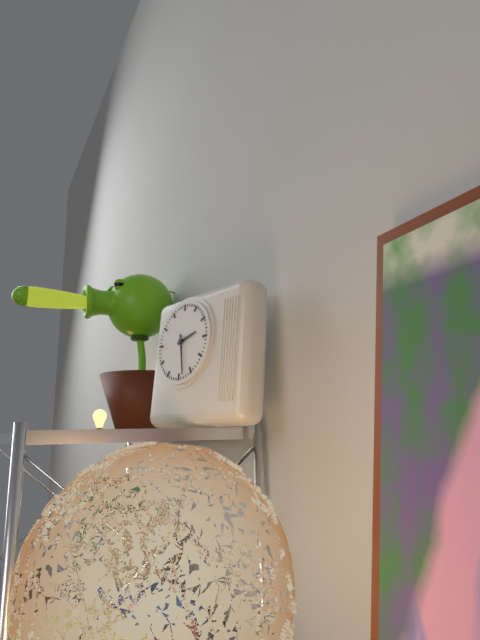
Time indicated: 2:28
